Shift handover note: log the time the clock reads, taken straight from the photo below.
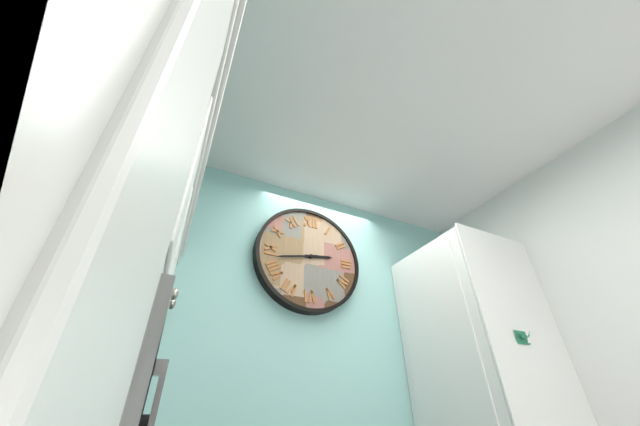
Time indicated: 2:43
